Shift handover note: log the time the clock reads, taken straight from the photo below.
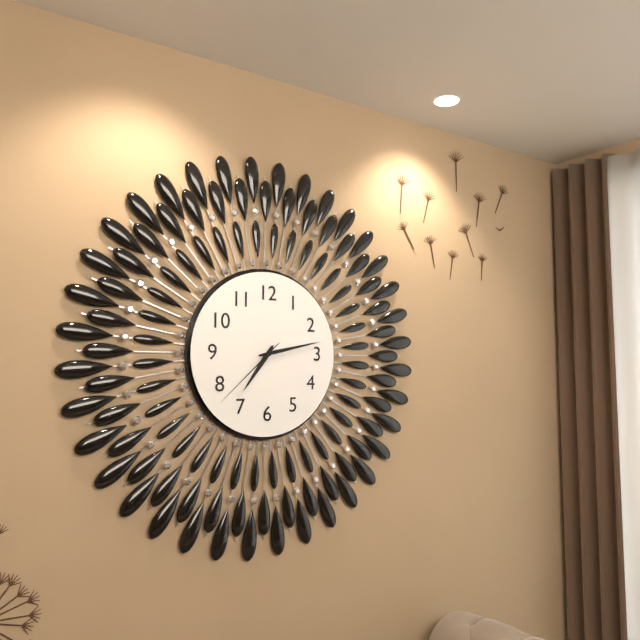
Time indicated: 7:13:38
